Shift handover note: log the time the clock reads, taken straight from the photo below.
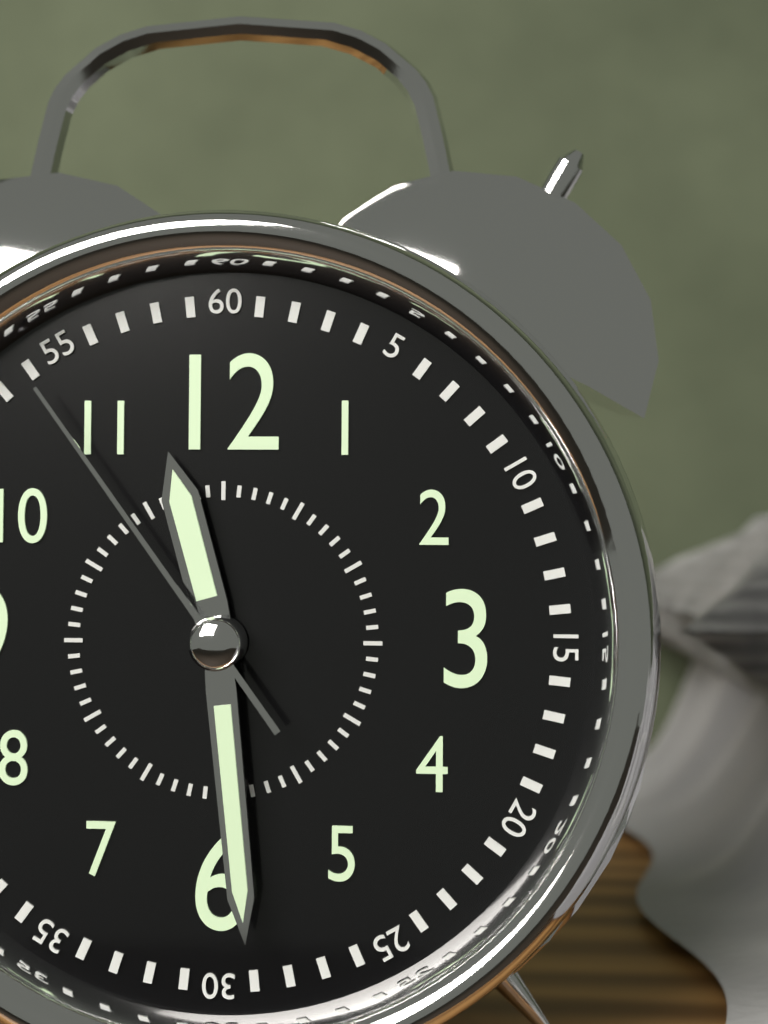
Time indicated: 11:29:54
